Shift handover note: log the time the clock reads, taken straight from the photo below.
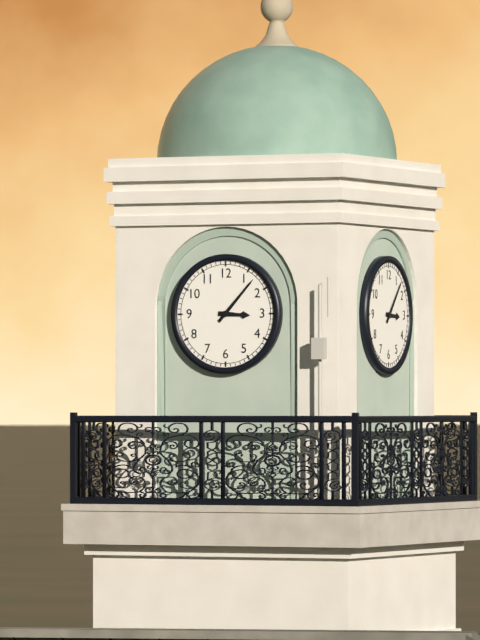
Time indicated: 3:07
